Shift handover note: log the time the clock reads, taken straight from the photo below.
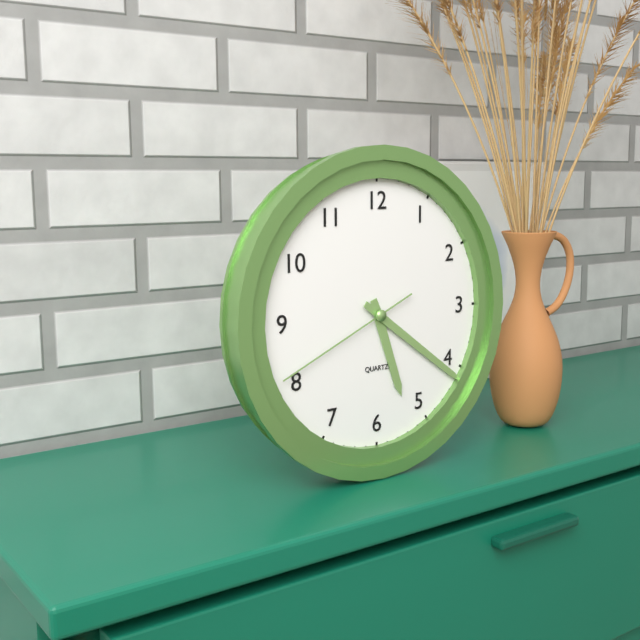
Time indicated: 5:21:41
